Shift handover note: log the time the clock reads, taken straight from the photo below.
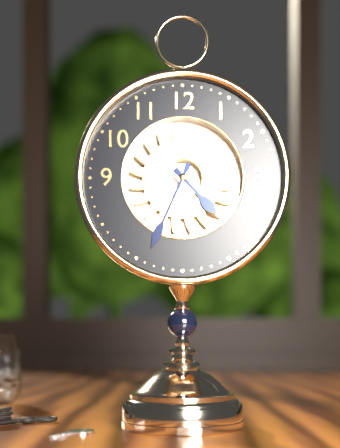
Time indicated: 4:34
